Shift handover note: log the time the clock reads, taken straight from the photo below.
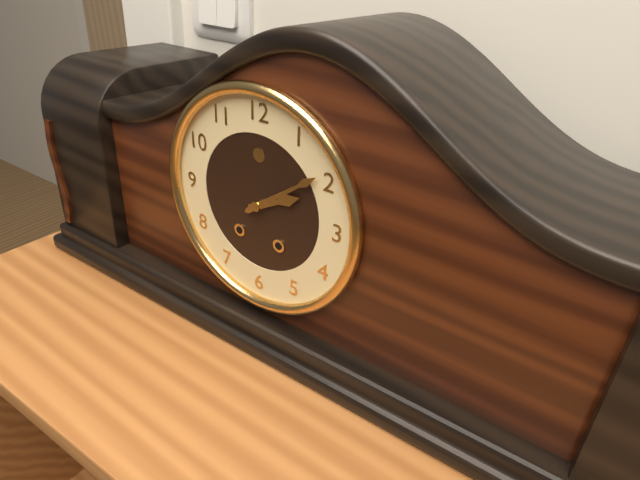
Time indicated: 2:09
